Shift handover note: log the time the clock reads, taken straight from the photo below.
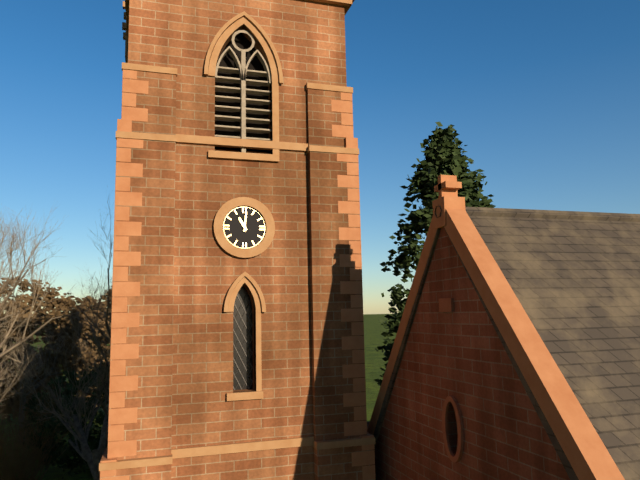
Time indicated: 11:01
